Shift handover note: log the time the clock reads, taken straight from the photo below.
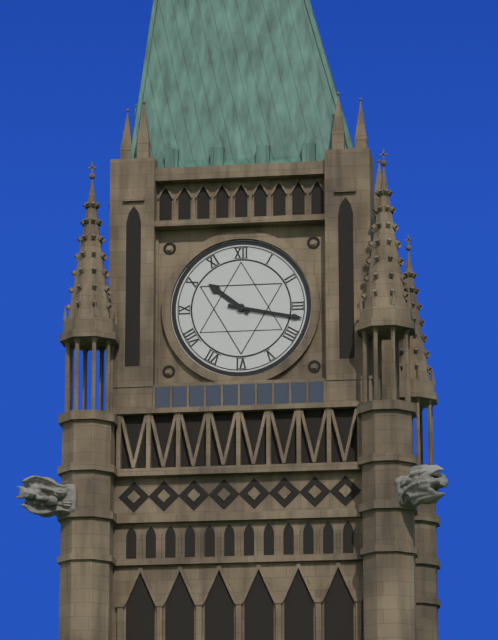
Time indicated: 10:17
